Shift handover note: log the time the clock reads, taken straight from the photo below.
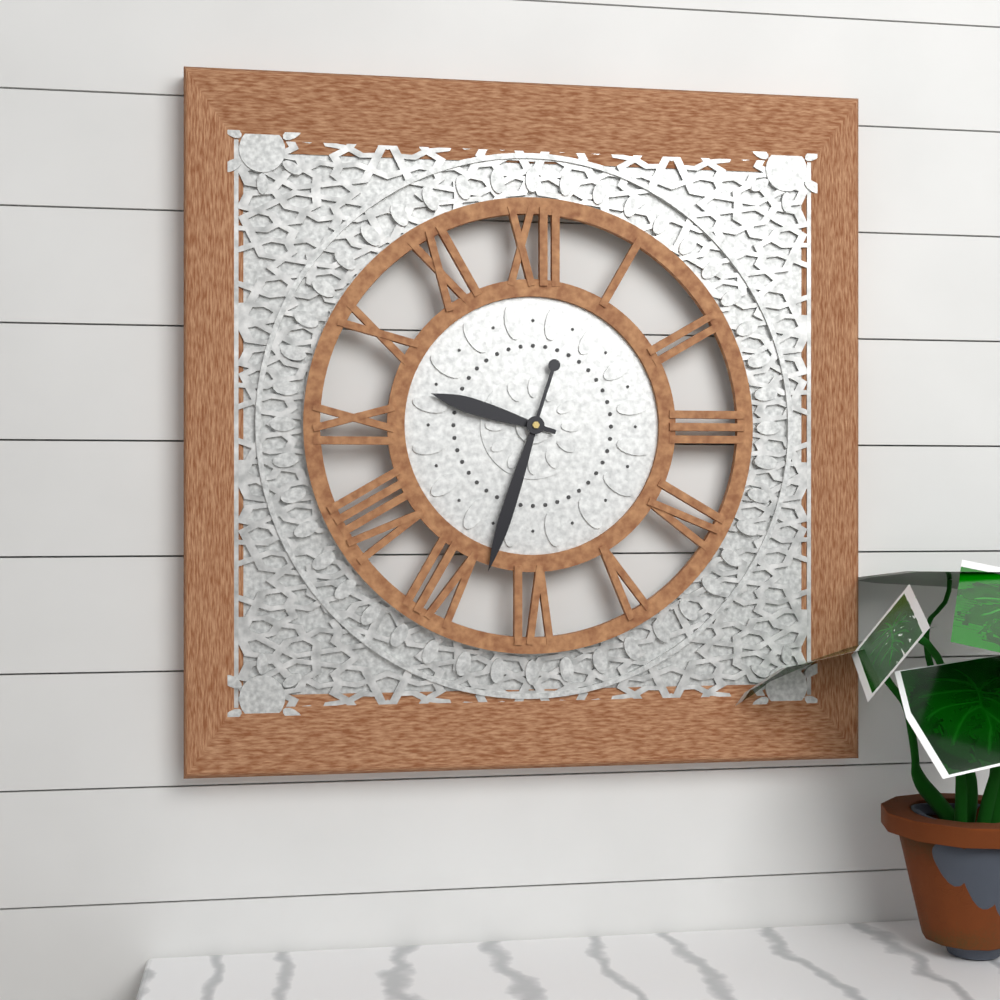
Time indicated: 9:33
